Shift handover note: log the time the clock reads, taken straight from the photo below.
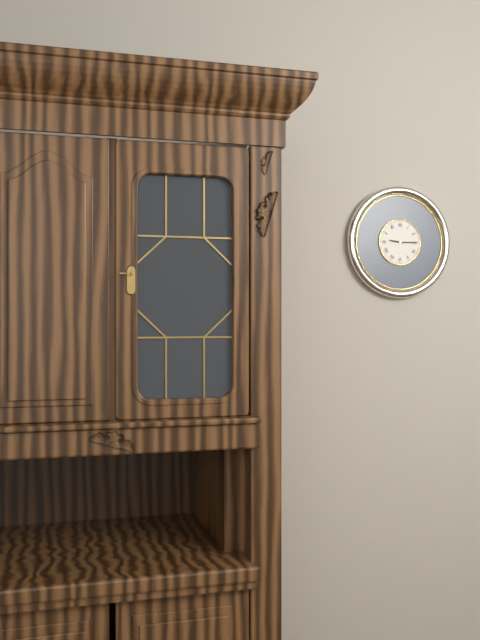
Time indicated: 9:15
